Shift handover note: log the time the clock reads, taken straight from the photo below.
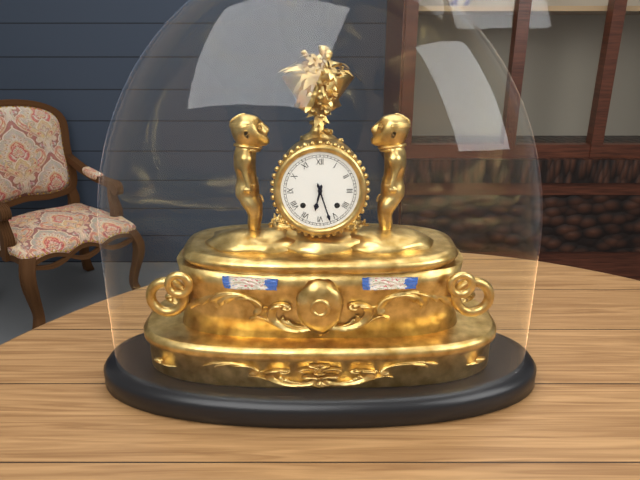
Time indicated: 6:27
